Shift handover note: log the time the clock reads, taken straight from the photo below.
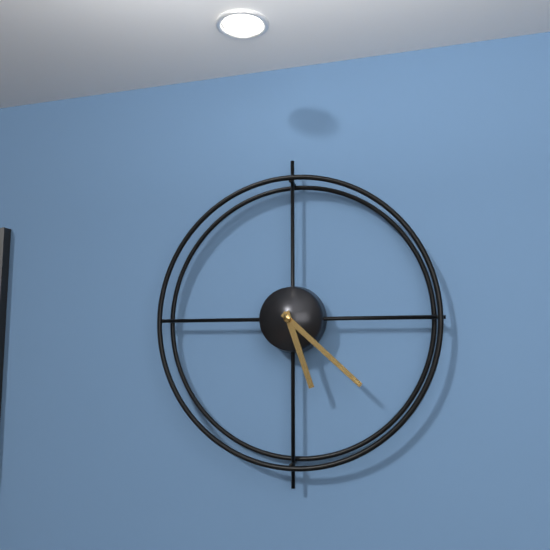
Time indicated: 5:22
